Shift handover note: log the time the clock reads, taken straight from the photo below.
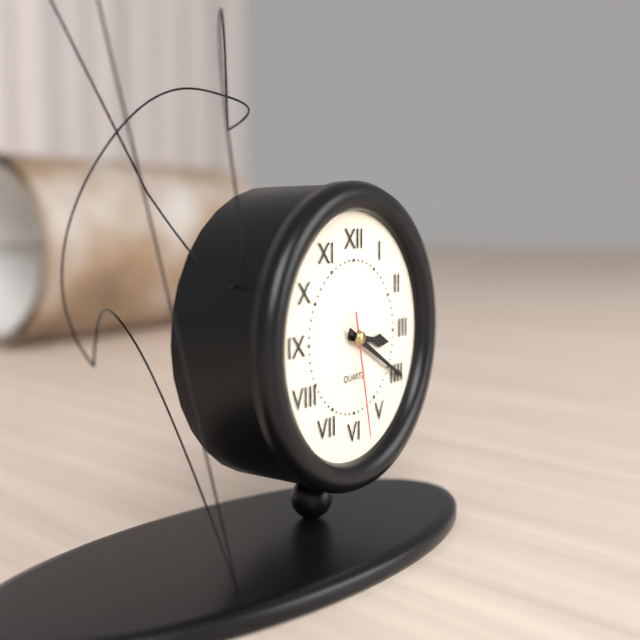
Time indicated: 3:20:28
